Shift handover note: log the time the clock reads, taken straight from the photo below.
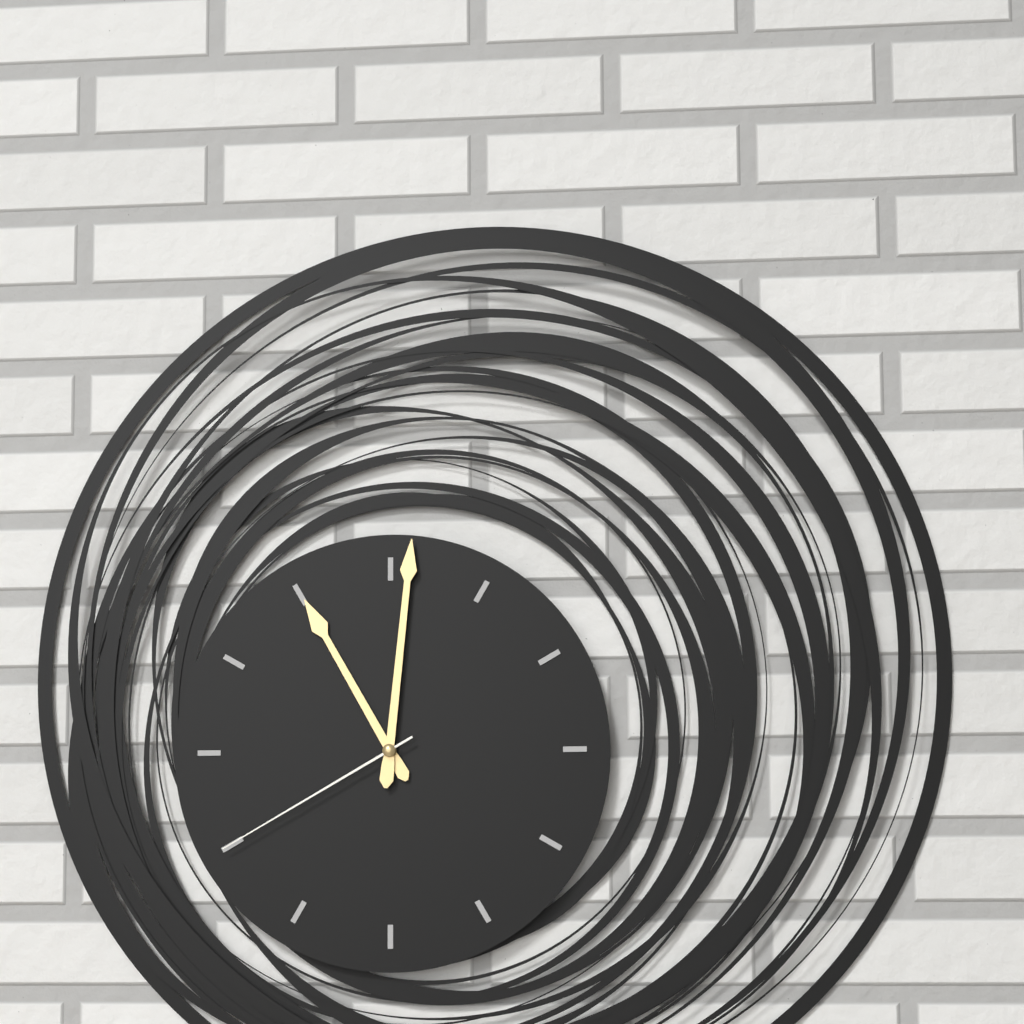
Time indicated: 11:01:40
